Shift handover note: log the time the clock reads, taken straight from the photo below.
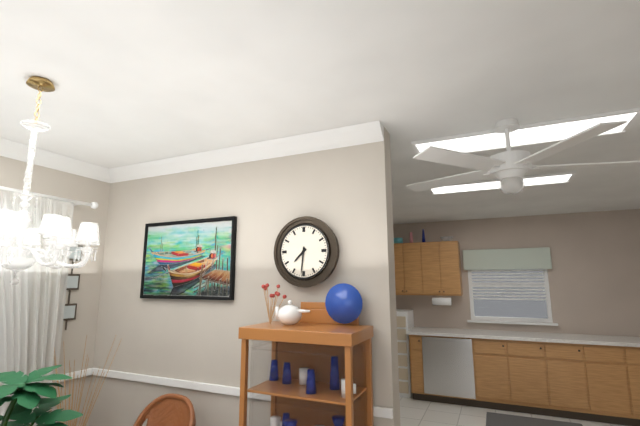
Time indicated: 7:31
